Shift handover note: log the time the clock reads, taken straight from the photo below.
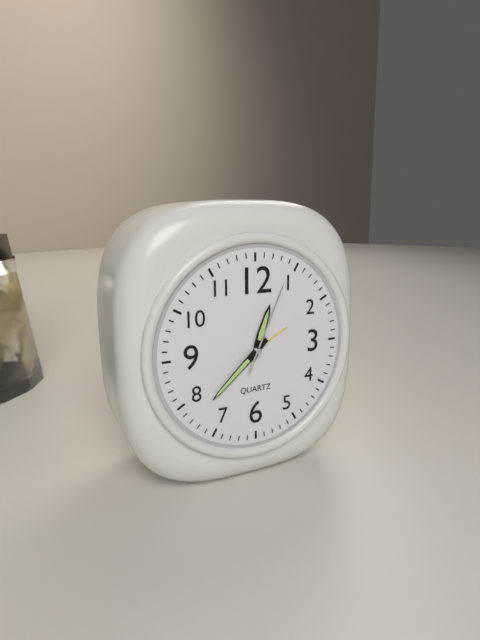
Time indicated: 12:38:04
